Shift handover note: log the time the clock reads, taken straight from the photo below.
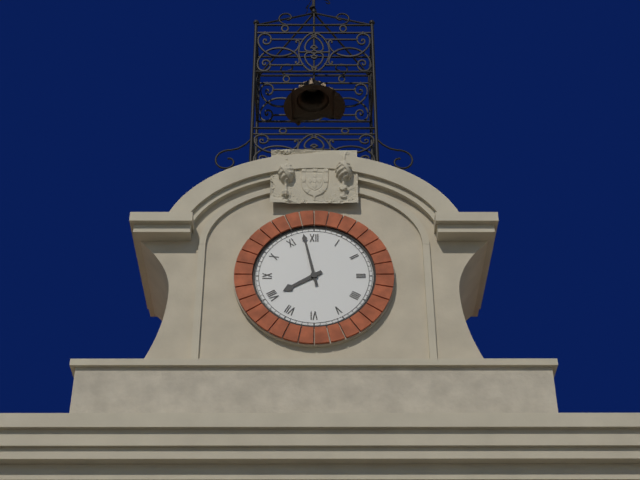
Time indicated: 7:58
